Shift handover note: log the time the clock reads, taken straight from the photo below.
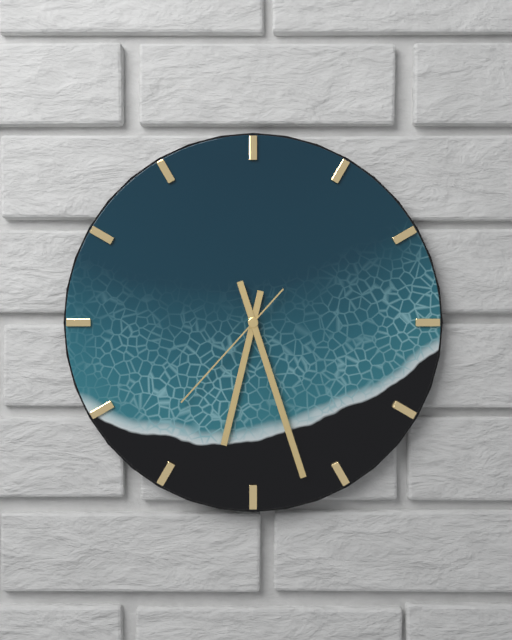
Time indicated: 6:27:37
